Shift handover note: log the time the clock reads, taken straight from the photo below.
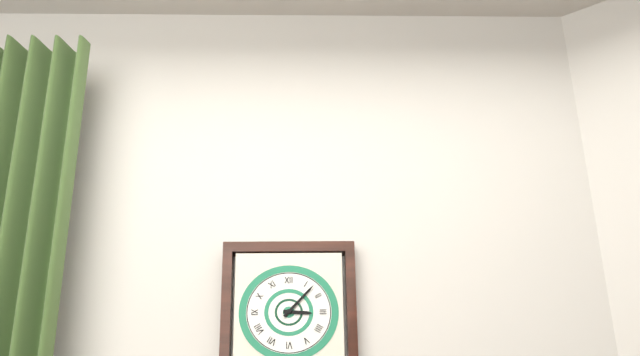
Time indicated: 3:07
